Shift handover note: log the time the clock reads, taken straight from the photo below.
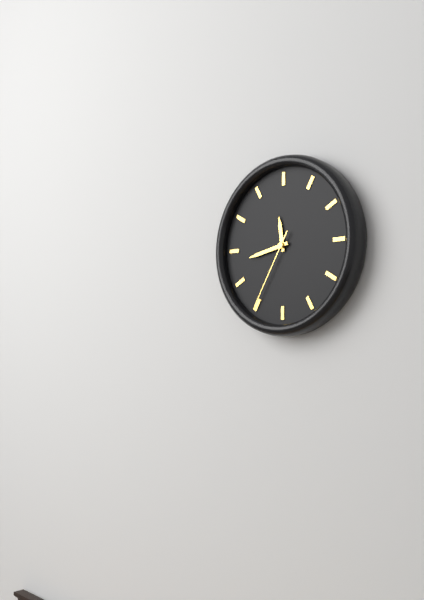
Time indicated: 11:43:35
